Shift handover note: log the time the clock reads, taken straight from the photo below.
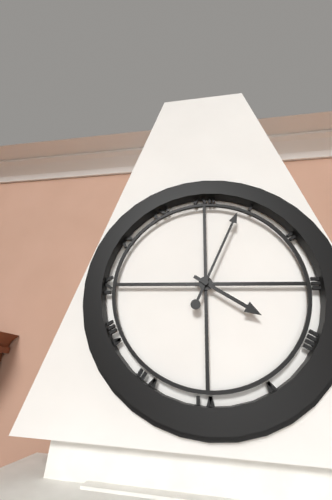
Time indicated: 4:04
